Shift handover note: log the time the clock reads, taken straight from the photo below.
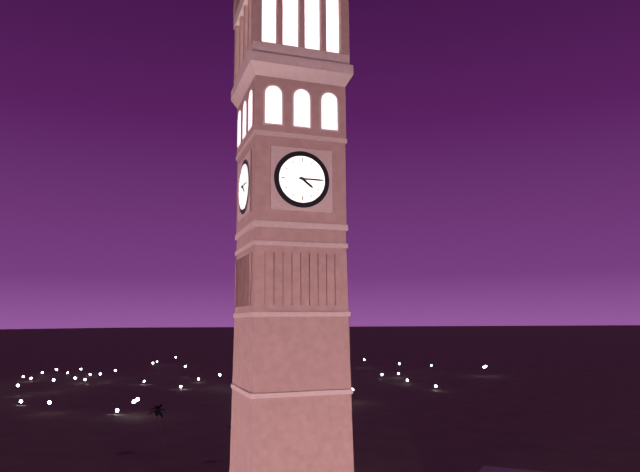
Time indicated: 4:15
